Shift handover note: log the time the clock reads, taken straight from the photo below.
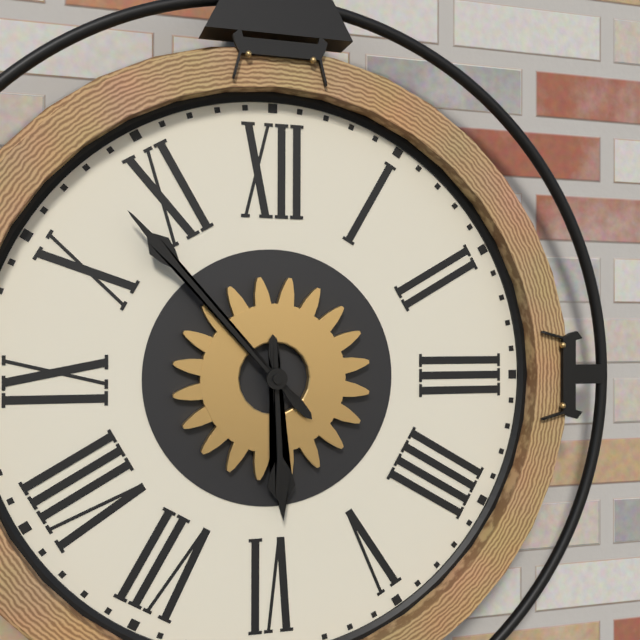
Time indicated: 5:53
